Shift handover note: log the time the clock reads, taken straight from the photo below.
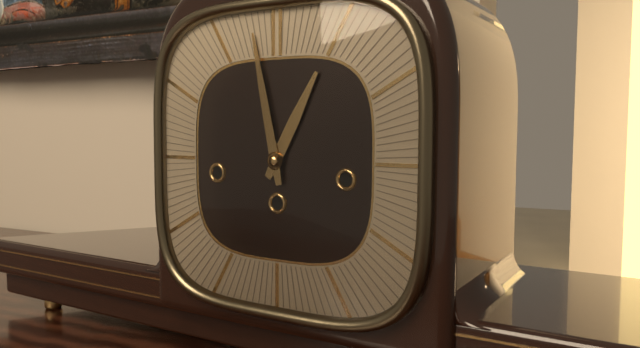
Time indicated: 12:58
